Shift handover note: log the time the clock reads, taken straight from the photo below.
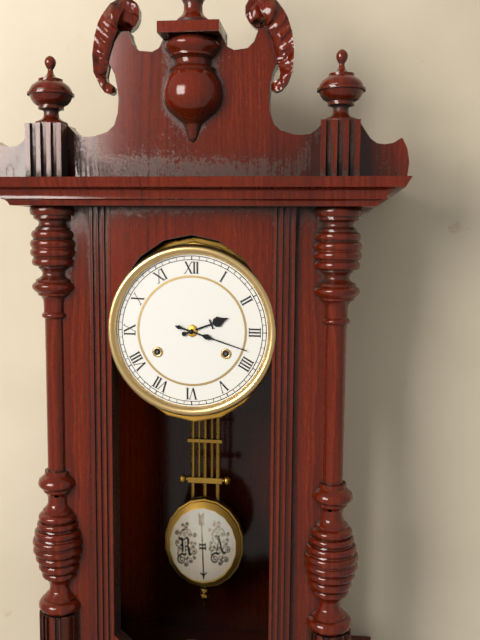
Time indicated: 2:18
